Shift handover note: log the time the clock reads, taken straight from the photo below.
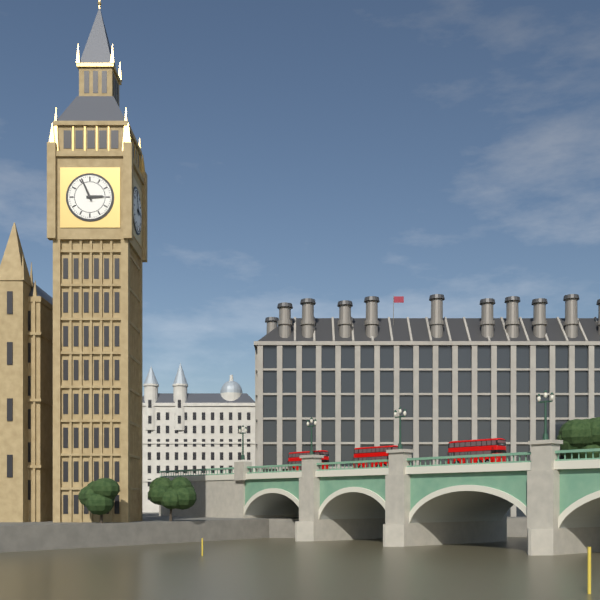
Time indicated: 2:56
